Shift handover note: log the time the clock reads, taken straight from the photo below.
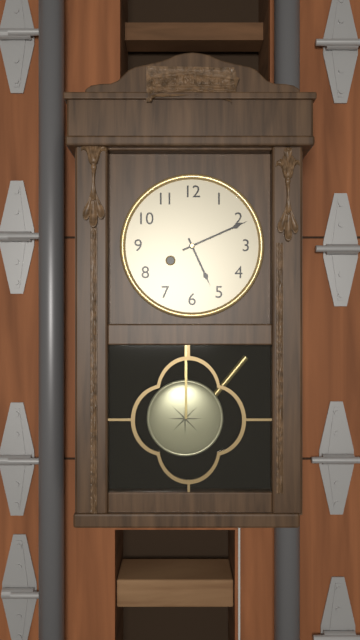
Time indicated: 5:11
